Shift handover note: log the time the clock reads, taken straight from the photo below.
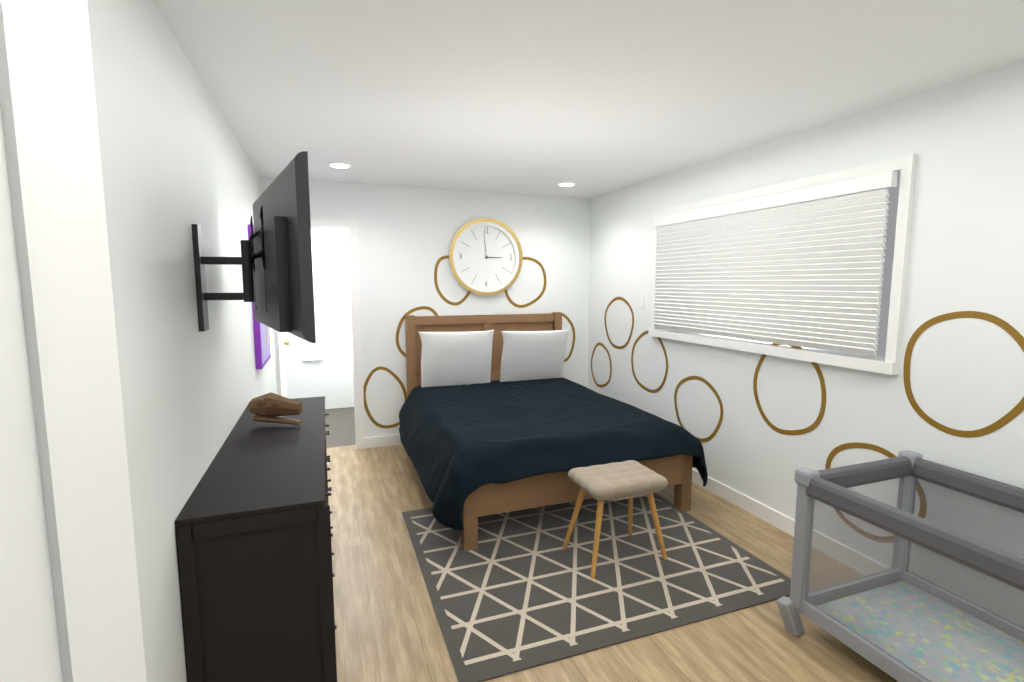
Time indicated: 2:59
